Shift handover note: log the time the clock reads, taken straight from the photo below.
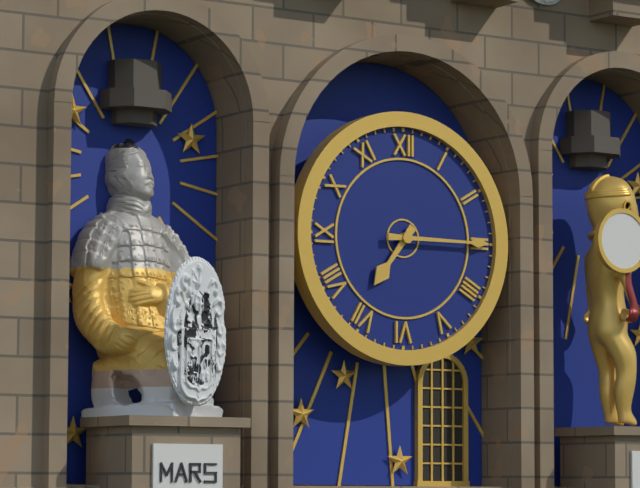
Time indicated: 7:15
